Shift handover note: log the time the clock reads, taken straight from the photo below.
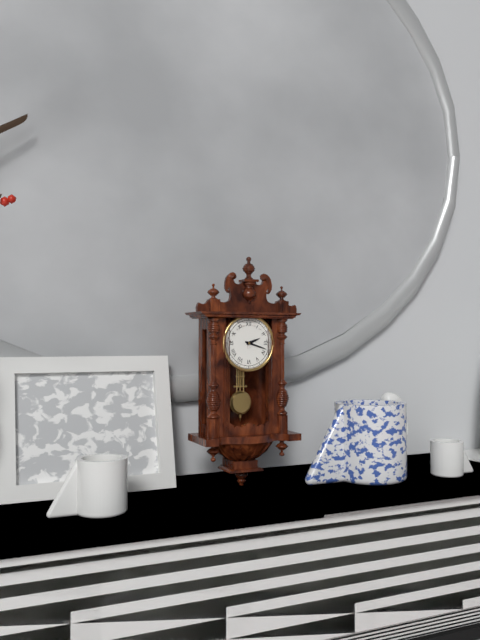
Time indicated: 2:18
